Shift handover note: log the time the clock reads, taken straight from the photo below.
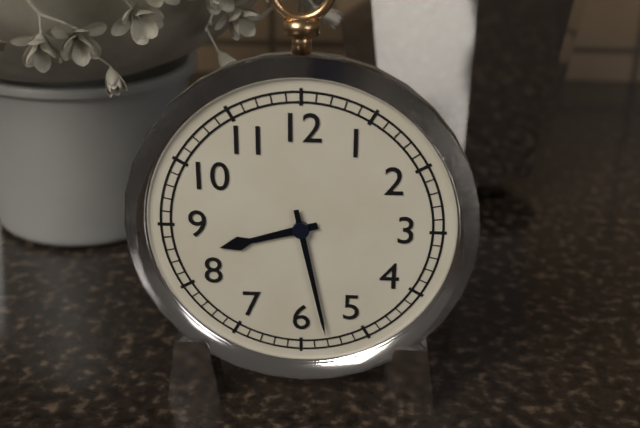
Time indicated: 8:28
